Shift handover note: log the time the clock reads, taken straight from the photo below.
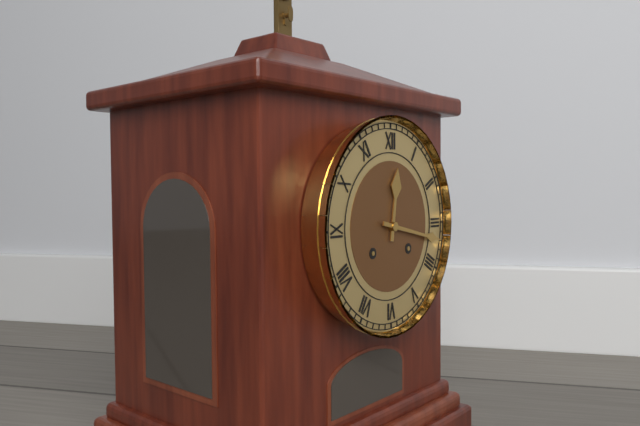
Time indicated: 12:17
